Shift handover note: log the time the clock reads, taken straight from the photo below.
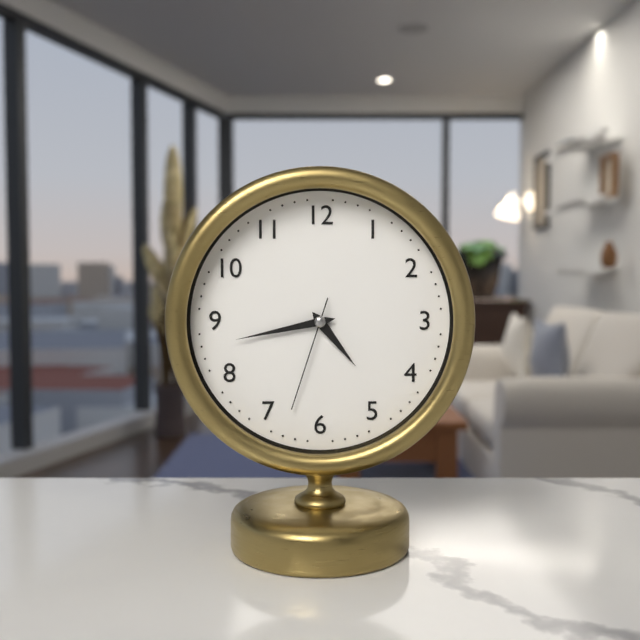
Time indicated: 4:43:33
